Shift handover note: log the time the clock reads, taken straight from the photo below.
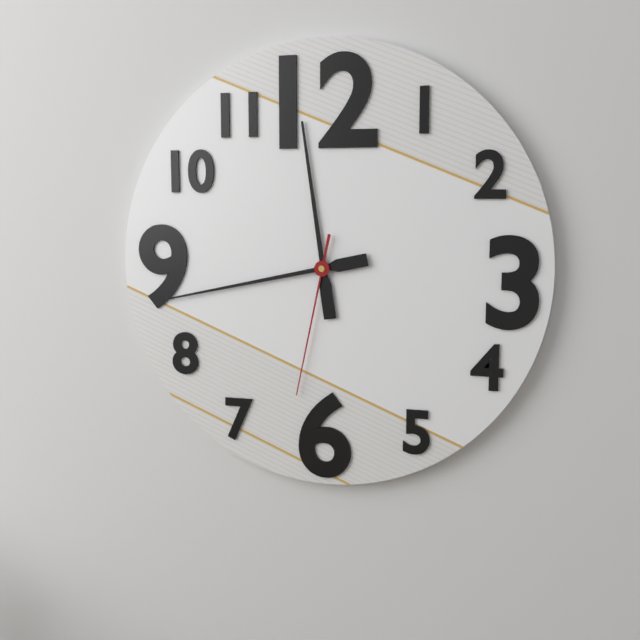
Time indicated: 11:43:32
